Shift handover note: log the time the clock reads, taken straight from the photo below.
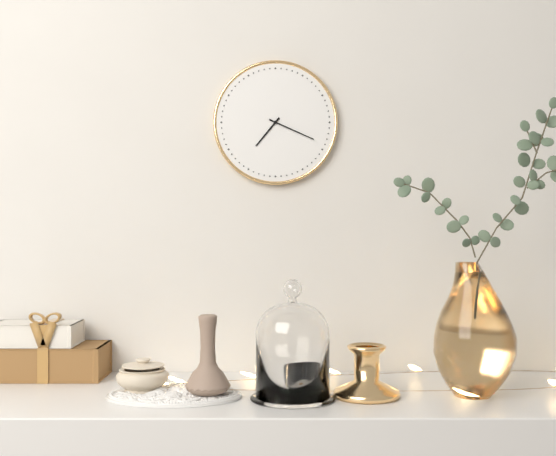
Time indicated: 7:19
